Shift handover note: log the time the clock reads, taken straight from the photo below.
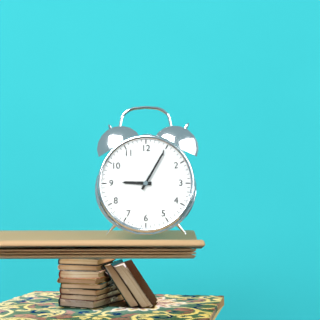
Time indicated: 9:05
